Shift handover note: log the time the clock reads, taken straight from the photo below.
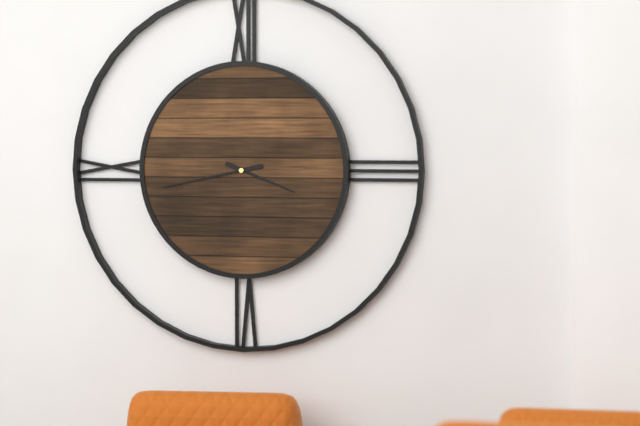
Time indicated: 3:43
